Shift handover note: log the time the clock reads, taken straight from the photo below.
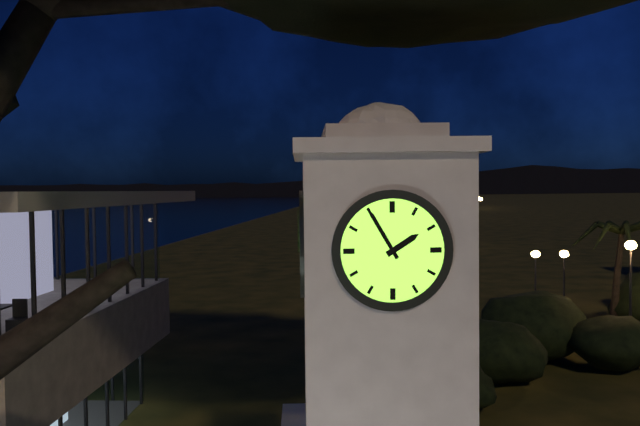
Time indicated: 1:55
